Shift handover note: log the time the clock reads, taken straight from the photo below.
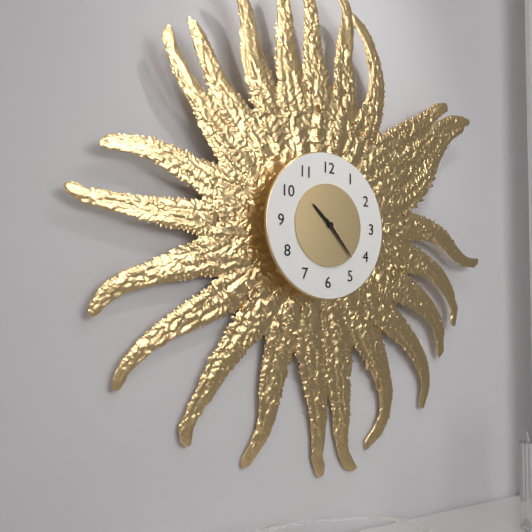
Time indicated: 10:23
